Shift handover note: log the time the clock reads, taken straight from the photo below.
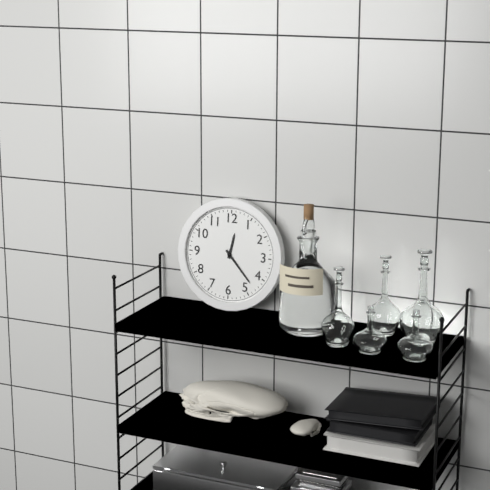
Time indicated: 12:23
